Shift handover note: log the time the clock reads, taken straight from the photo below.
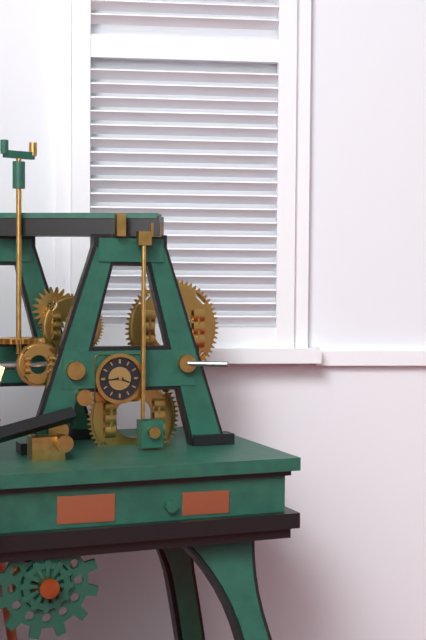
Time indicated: 3:44
